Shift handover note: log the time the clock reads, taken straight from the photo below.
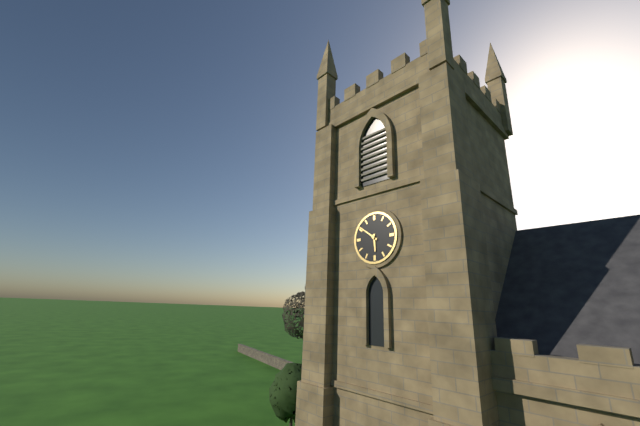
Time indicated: 5:51
